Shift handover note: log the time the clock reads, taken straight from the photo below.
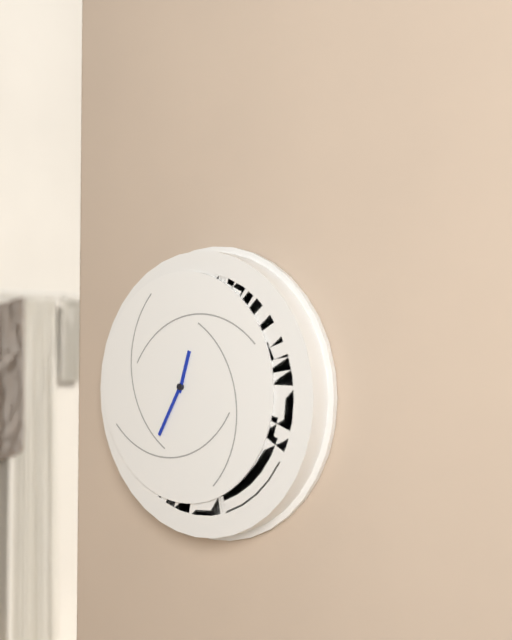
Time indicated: 12:35
